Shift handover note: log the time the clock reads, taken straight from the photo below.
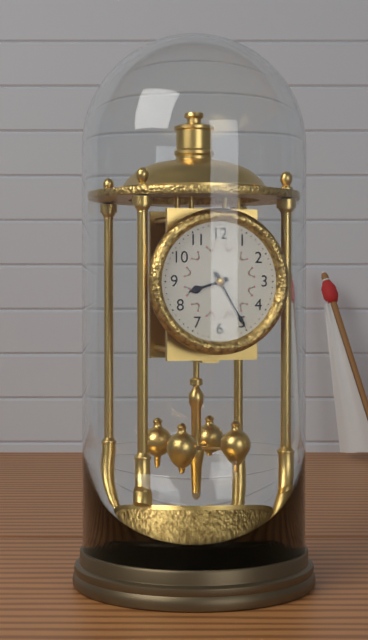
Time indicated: 8:25
